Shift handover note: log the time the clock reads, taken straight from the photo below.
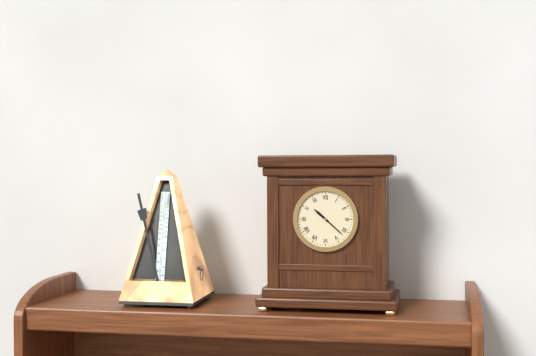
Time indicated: 10:22
